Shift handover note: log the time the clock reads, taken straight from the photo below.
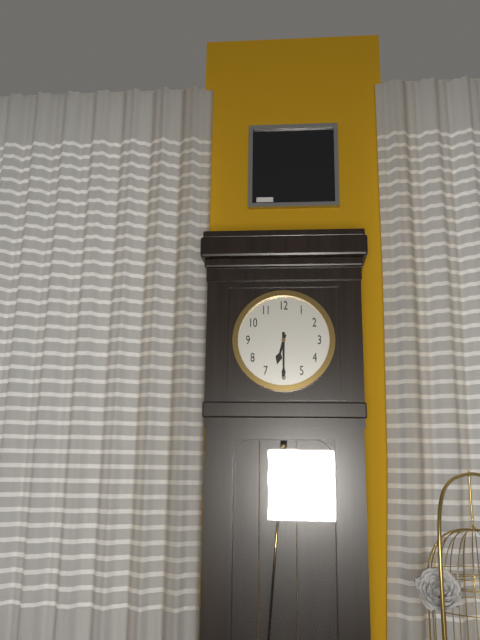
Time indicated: 6:30
